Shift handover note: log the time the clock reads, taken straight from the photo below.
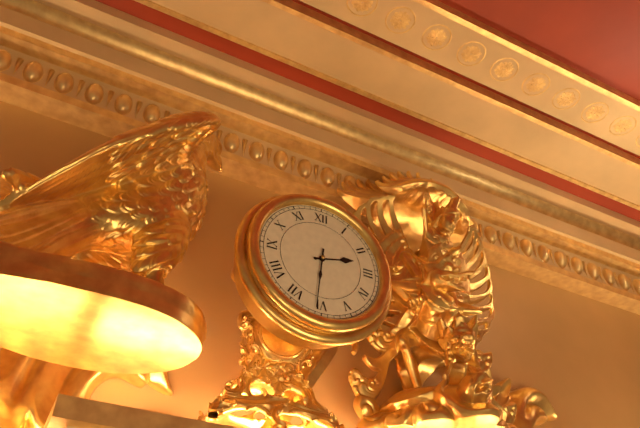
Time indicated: 2:31
